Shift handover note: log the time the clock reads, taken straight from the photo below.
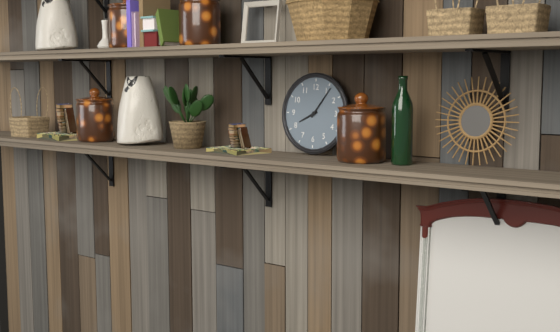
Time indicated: 8:06
